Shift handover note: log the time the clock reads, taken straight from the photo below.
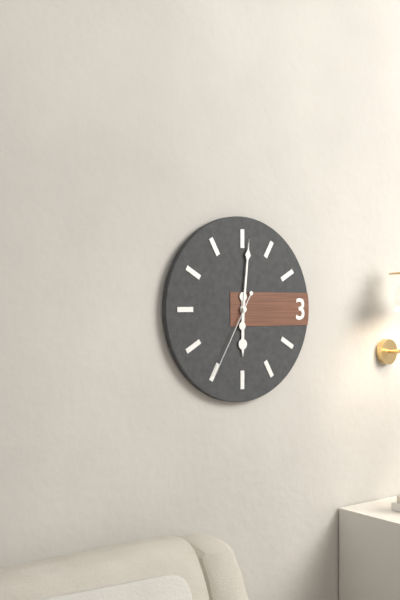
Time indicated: 6:01:35
